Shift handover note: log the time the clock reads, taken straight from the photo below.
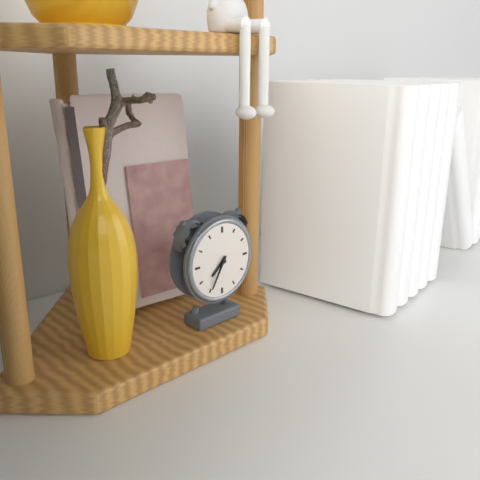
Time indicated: 7:35
